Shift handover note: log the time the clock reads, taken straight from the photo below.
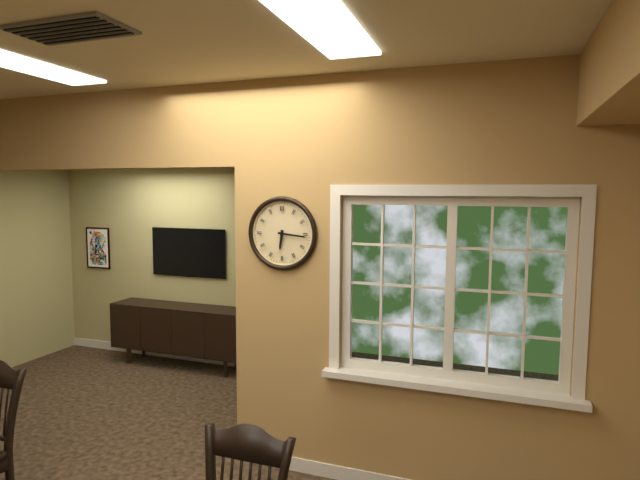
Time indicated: 6:16
